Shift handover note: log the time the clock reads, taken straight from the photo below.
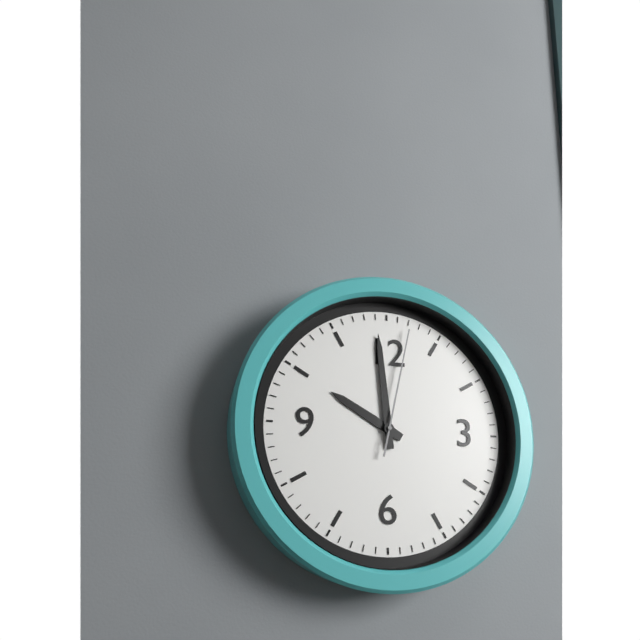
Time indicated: 9:59:02
